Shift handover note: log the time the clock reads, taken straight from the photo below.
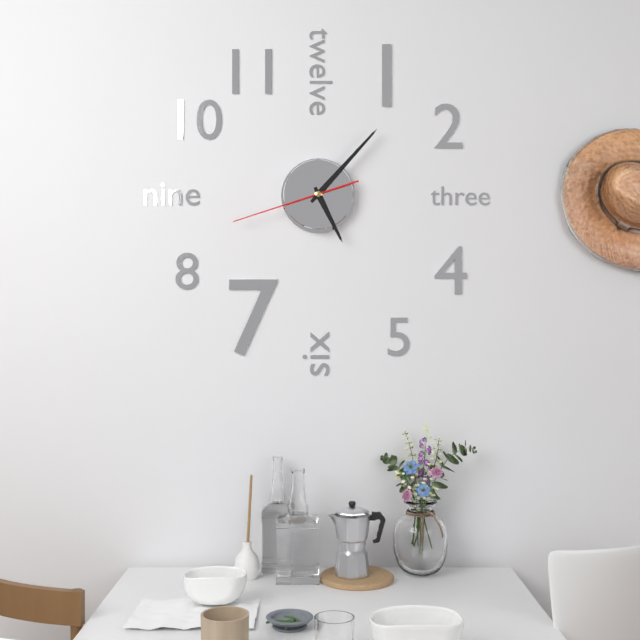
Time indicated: 5:07:42
